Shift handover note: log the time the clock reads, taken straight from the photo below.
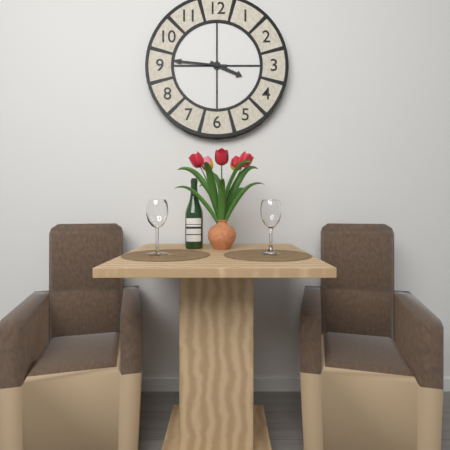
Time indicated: 3:46
